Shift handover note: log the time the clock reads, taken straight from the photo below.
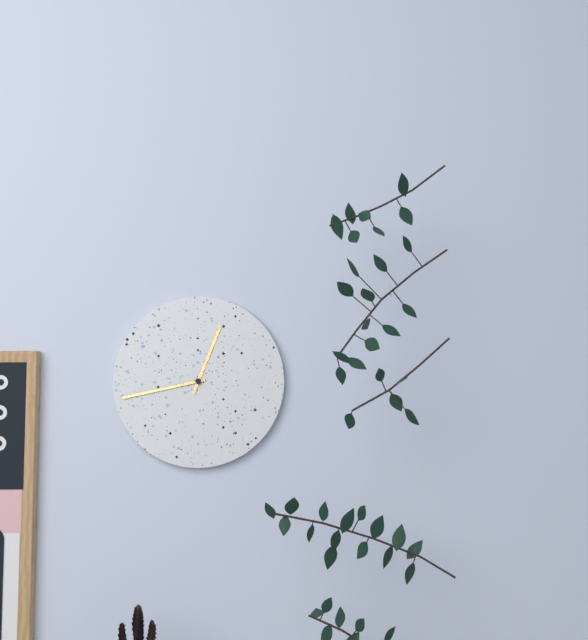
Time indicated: 12:43
